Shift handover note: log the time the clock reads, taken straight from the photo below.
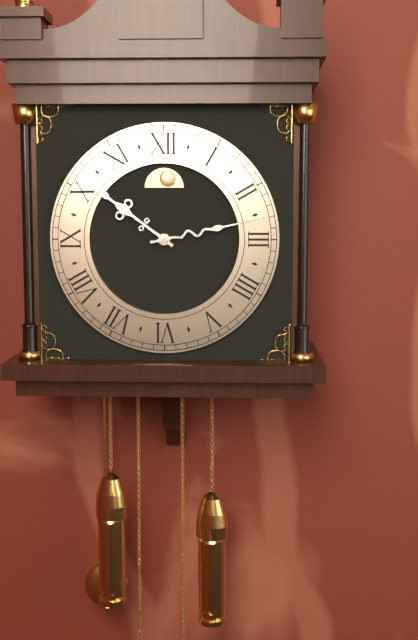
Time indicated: 10:13
